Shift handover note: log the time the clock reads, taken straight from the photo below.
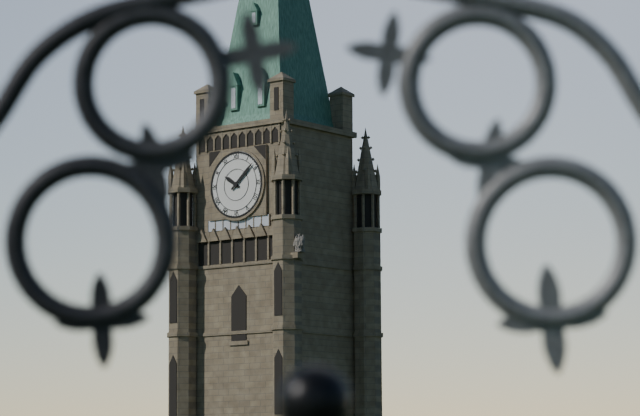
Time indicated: 10:08
